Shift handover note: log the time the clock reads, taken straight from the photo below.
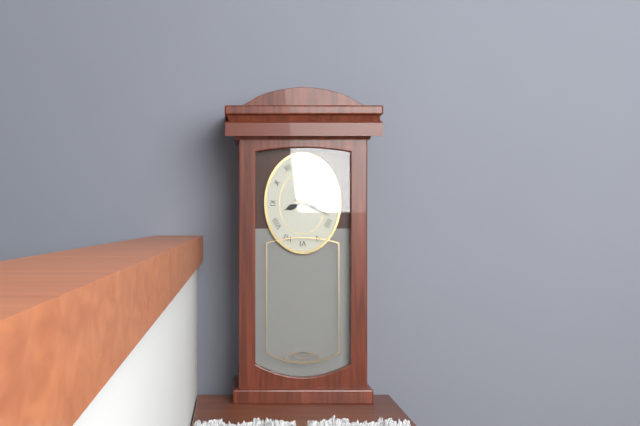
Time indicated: 8:19
